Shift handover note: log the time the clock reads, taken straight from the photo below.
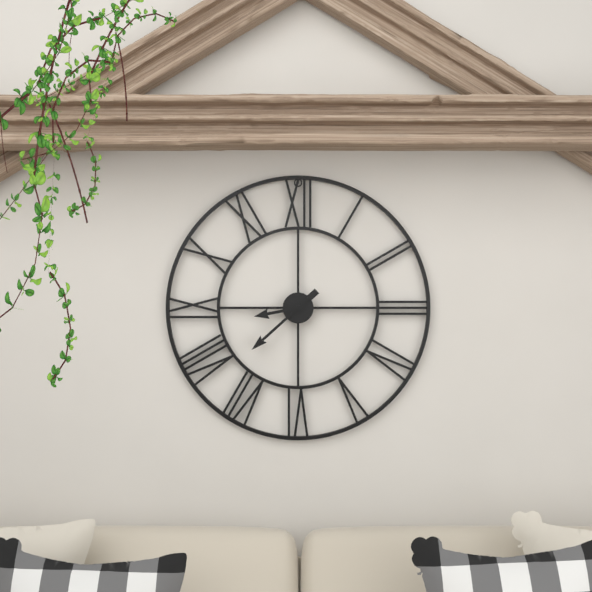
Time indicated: 8:38
